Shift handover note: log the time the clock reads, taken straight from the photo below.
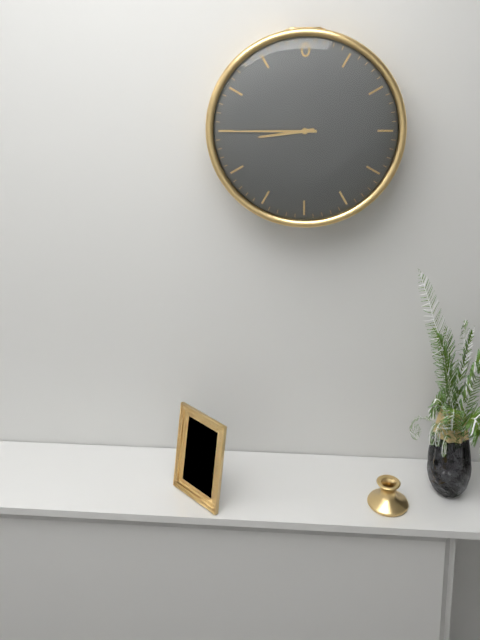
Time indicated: 8:45
